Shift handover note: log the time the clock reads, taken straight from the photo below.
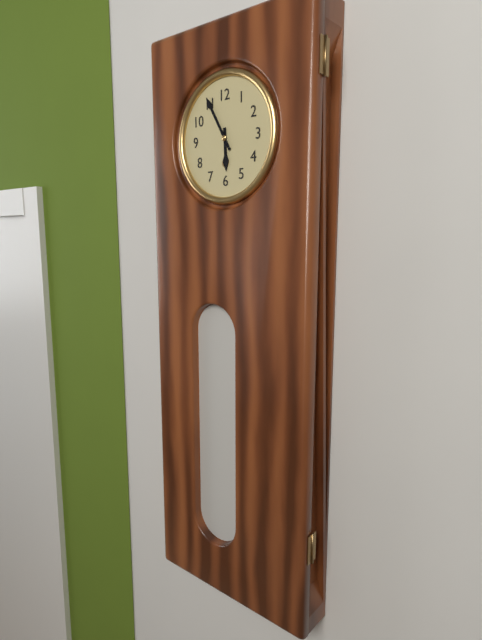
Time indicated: 5:55
